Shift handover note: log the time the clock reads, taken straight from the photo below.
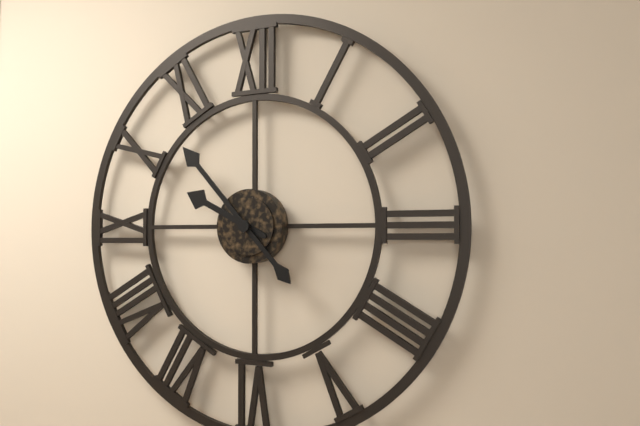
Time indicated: 9:53
